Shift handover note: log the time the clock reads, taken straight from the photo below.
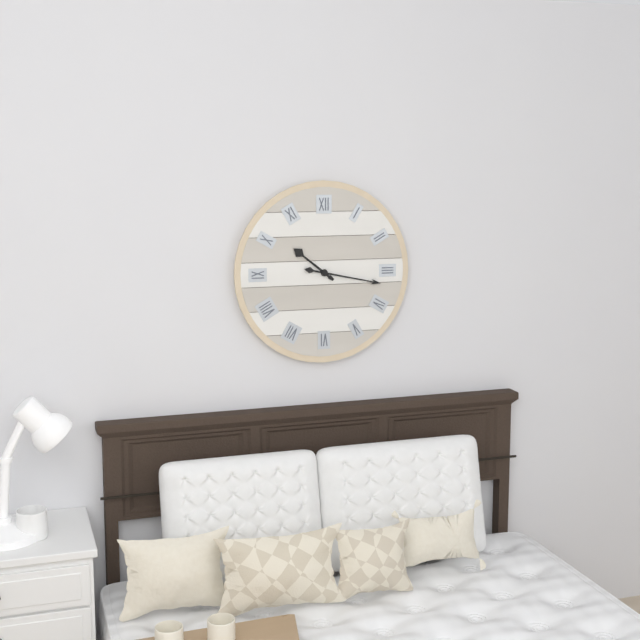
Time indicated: 10:17
